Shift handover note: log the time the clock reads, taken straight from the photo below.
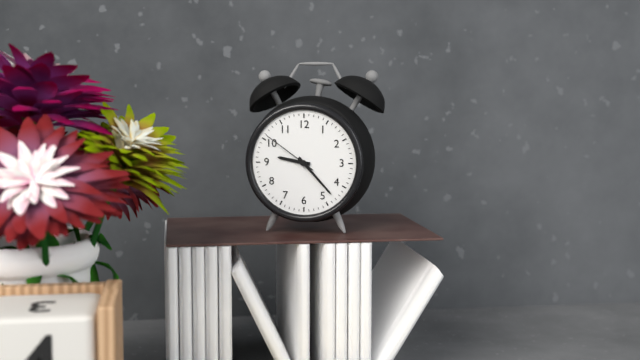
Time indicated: 9:23:51
